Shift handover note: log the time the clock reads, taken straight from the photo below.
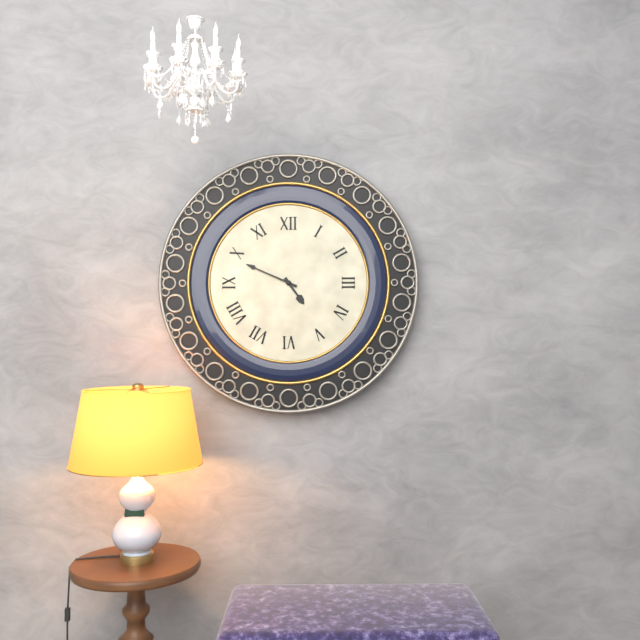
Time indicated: 4:49
